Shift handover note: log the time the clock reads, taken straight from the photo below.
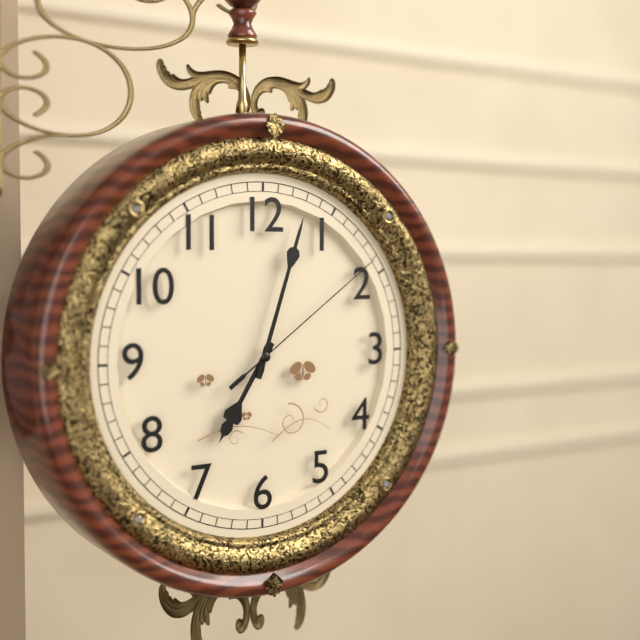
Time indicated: 7:03:09
